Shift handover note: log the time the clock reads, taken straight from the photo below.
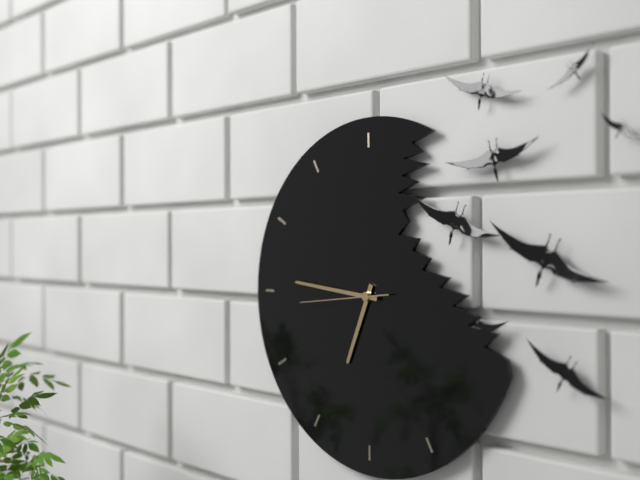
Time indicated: 6:46:44
